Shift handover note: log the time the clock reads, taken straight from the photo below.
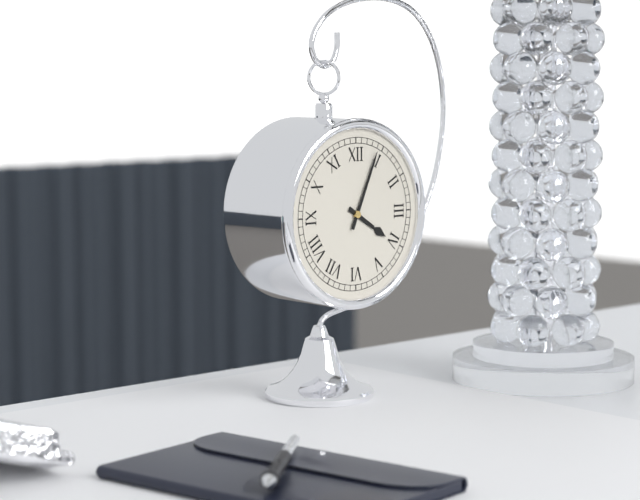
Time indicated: 4:04
